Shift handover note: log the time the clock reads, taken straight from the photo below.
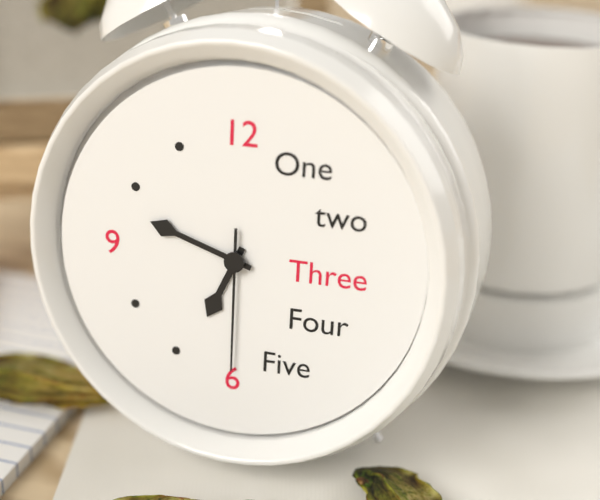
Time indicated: 6:48:30
